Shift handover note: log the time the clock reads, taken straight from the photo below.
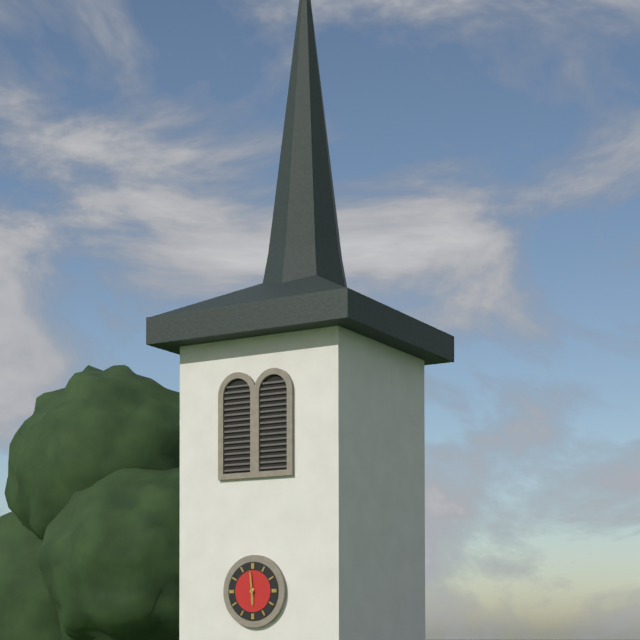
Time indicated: 5:59
